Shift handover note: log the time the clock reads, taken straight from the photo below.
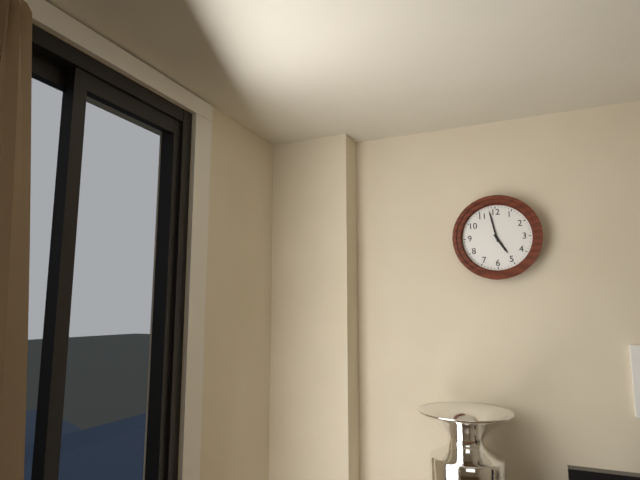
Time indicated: 4:58
